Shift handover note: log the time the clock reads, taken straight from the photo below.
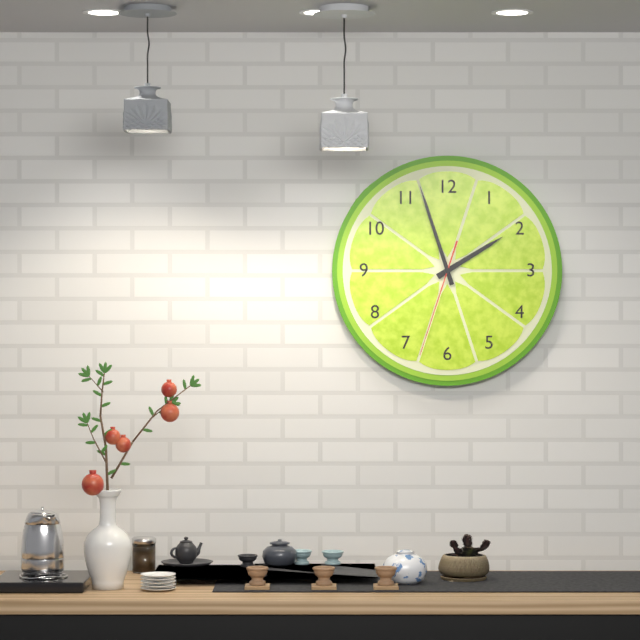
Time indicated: 1:57:33
